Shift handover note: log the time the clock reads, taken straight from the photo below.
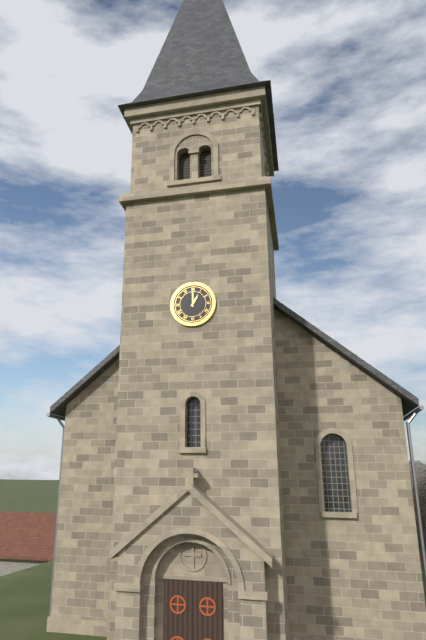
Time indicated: 1:00
